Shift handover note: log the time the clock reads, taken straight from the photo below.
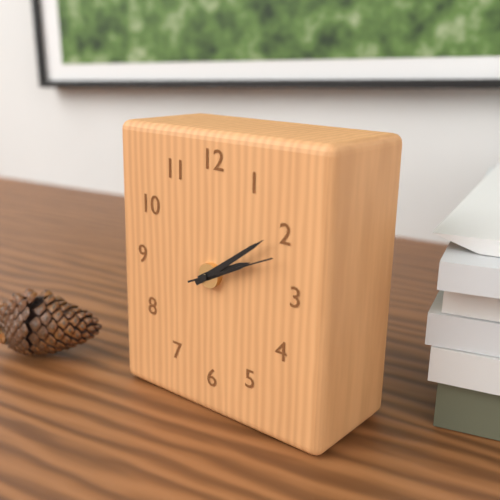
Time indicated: 2:09:11
